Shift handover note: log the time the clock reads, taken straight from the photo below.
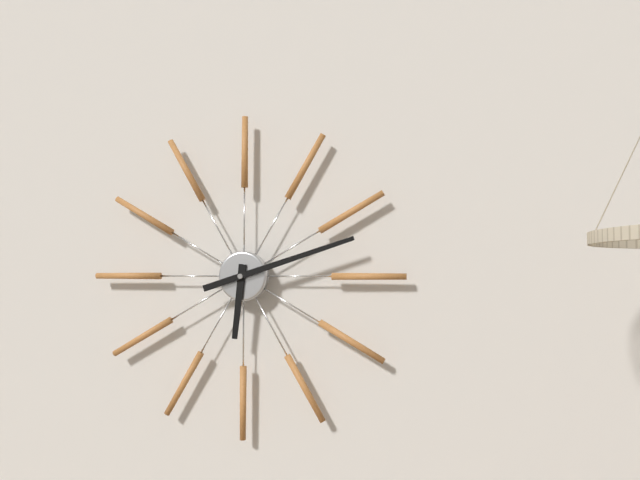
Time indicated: 6:12
